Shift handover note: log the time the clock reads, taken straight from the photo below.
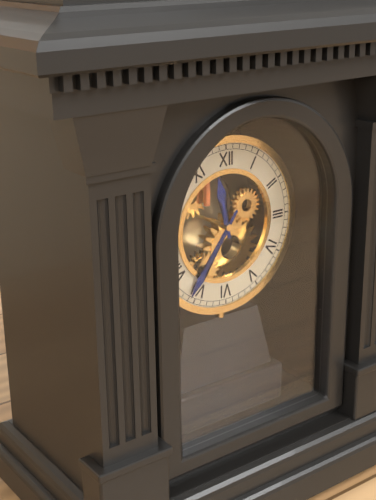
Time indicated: 11:36
